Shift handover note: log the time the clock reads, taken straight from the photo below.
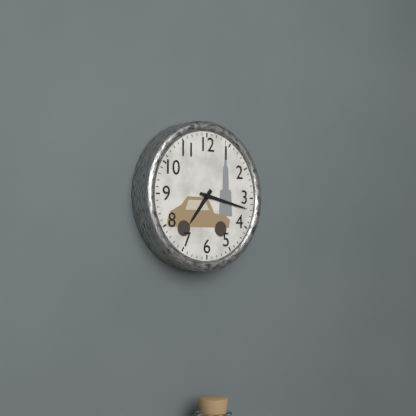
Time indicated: 7:17
